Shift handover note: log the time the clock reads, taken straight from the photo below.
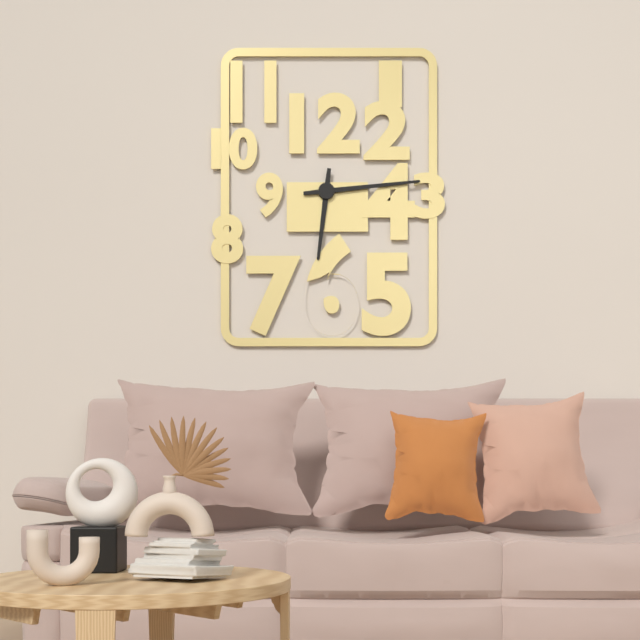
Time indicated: 6:14
